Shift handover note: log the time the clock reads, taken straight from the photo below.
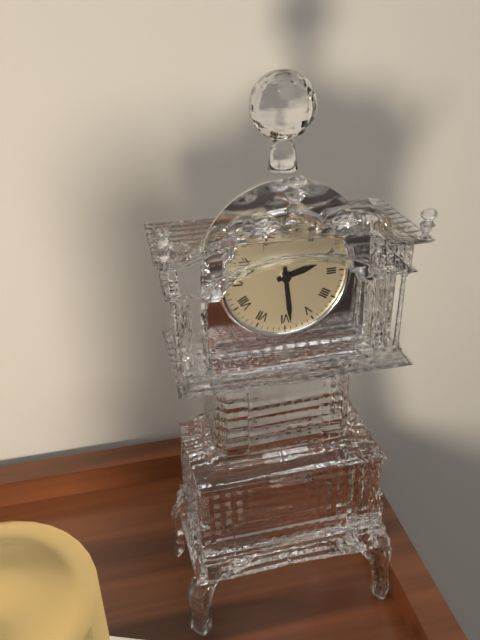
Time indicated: 2:29
